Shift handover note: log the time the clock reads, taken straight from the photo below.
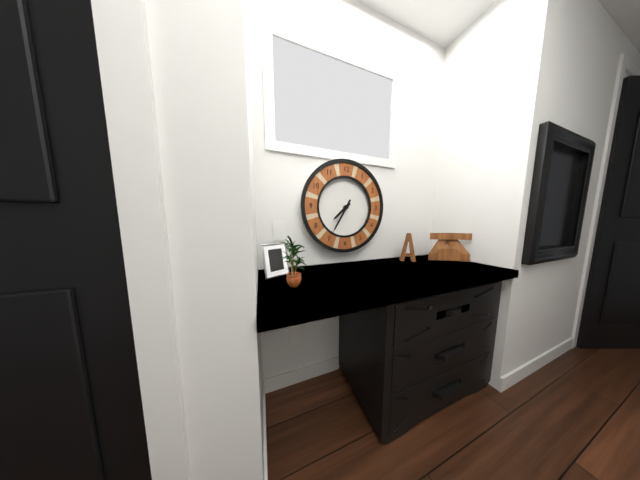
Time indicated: 7:35
